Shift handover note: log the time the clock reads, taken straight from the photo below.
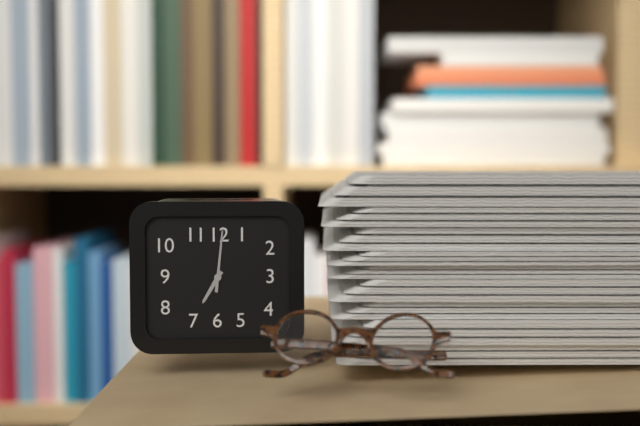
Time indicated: 7:01
